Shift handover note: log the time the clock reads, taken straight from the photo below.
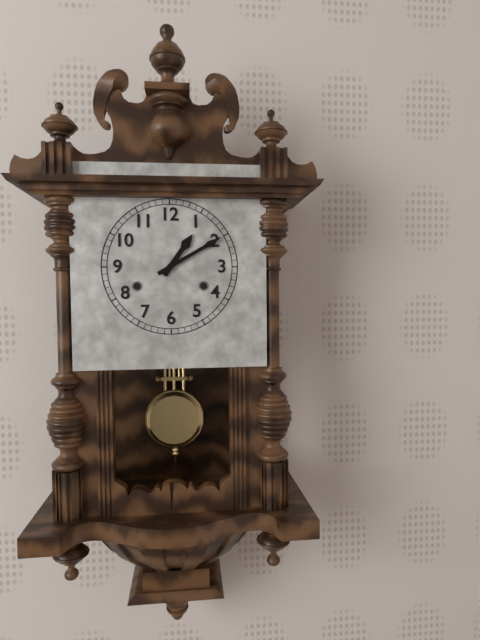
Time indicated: 1:10
